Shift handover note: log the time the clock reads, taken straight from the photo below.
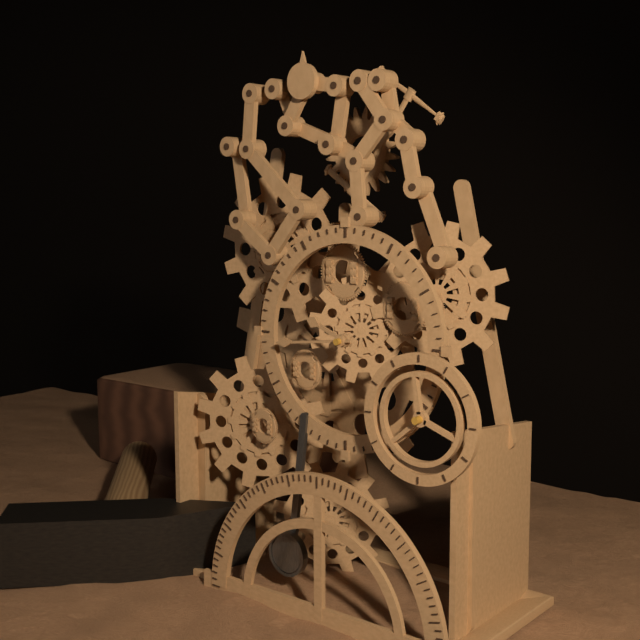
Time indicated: 9:44
